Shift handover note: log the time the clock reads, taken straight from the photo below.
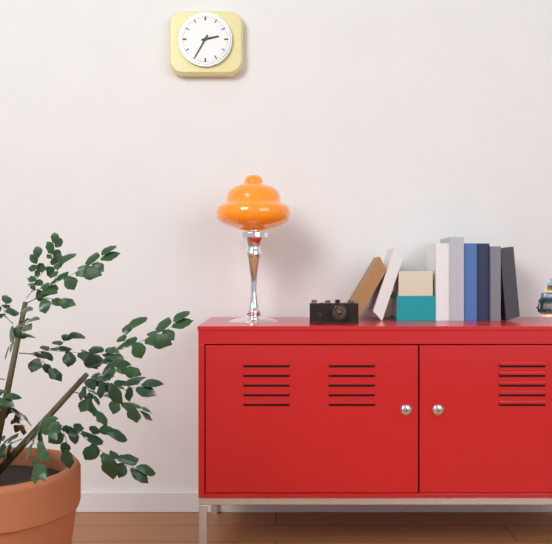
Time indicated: 2:35
